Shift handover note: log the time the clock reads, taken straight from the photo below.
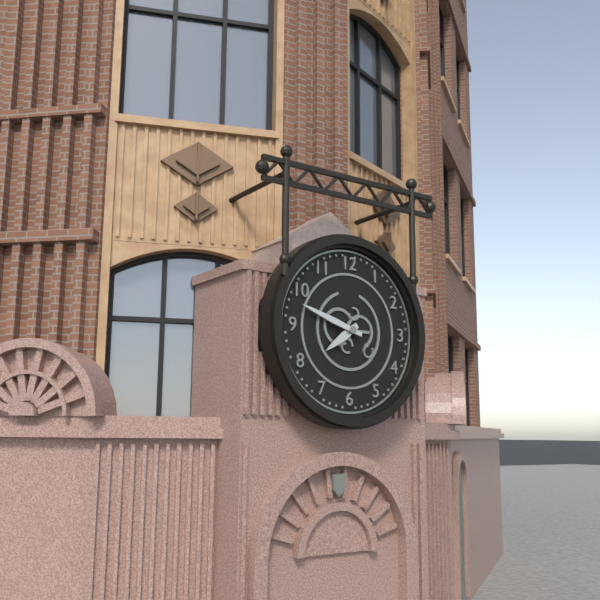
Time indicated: 7:48
